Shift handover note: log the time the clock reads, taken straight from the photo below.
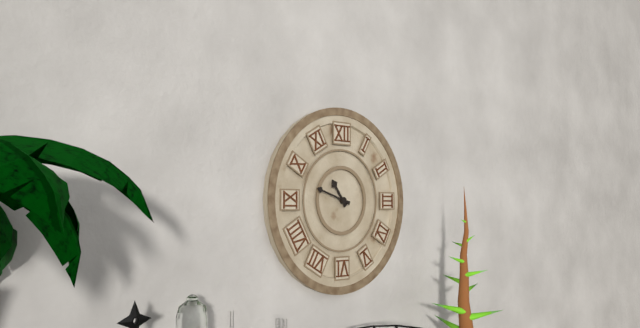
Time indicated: 10:48
